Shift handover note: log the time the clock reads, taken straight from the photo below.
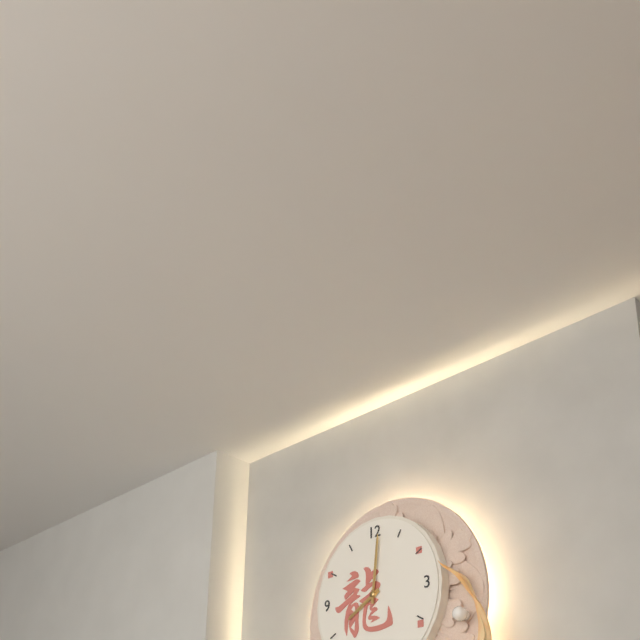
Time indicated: 8:01
